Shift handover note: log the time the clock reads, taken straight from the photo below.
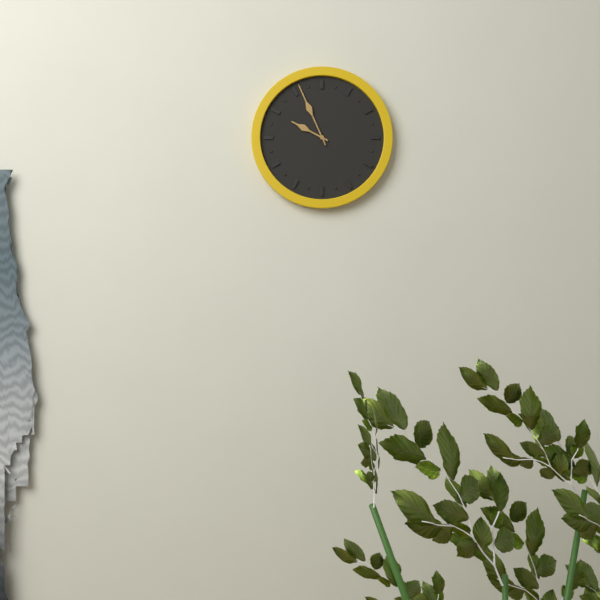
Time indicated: 9:56
